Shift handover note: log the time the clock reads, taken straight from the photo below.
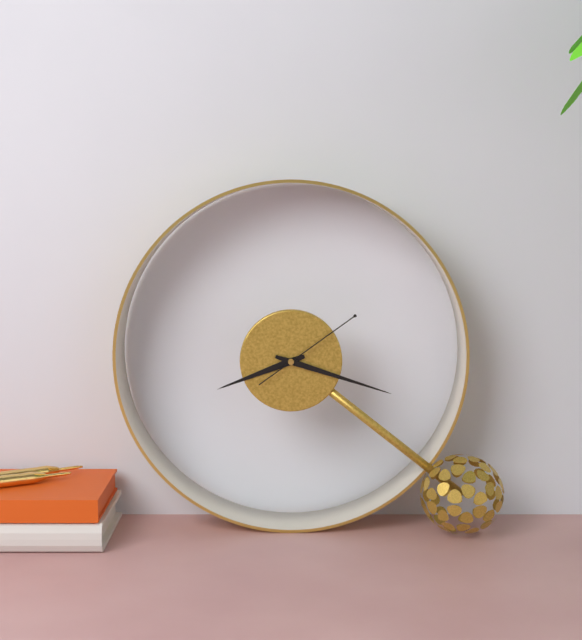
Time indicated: 8:18:09
